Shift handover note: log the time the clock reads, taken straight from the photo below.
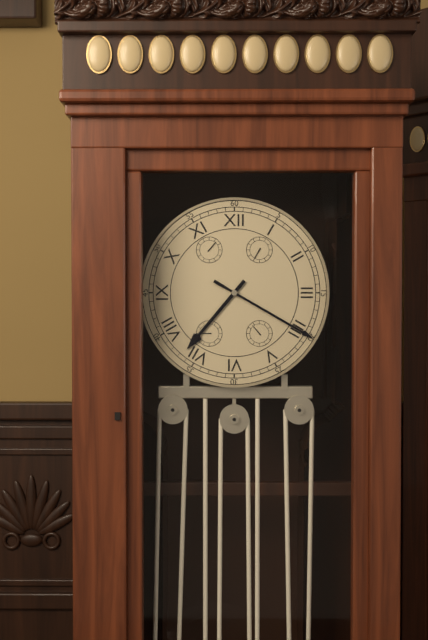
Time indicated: 7:20
